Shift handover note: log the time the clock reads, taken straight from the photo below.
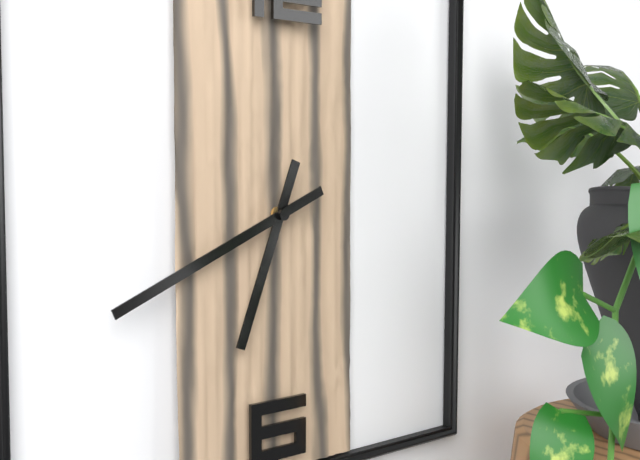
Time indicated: 6:41
